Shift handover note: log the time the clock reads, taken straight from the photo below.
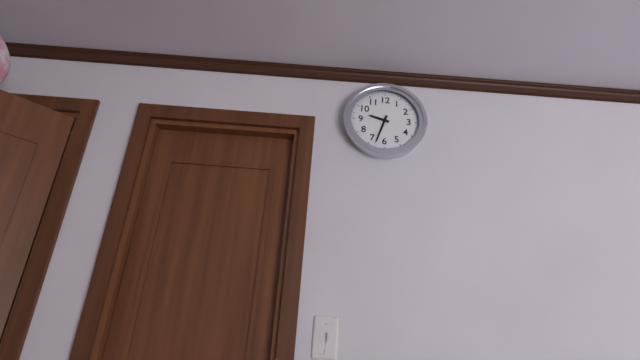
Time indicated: 9:33
